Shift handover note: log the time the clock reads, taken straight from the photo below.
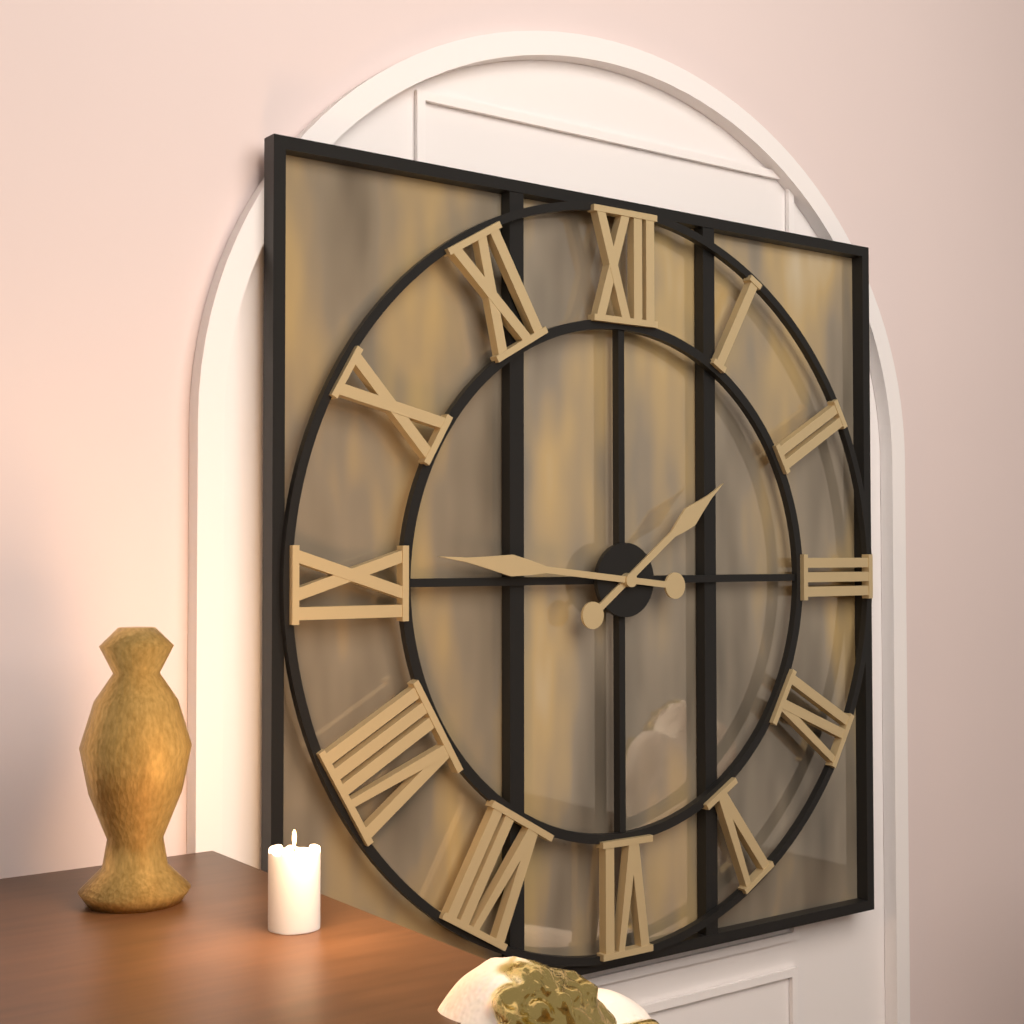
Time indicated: 1:46
